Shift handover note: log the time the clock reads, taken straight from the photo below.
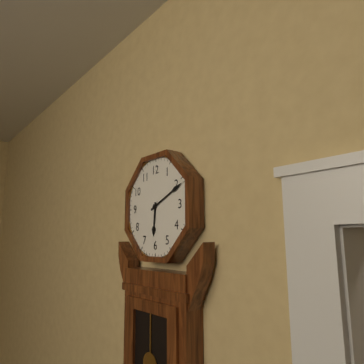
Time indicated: 6:11
